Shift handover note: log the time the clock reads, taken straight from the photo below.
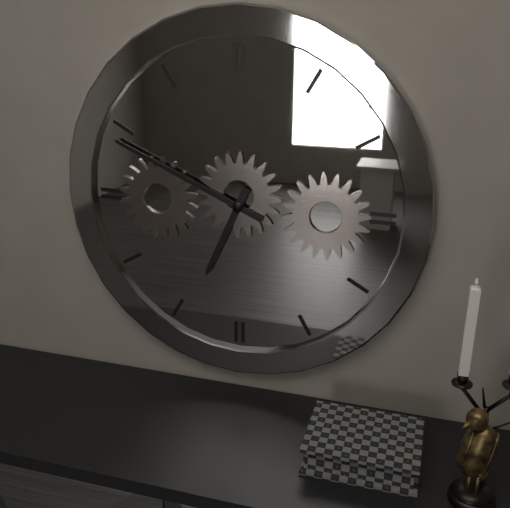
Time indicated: 6:49
